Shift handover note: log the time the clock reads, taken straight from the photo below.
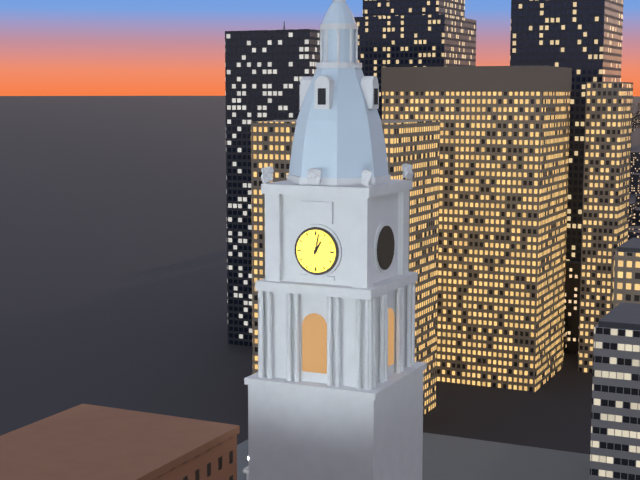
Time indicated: 1:02
